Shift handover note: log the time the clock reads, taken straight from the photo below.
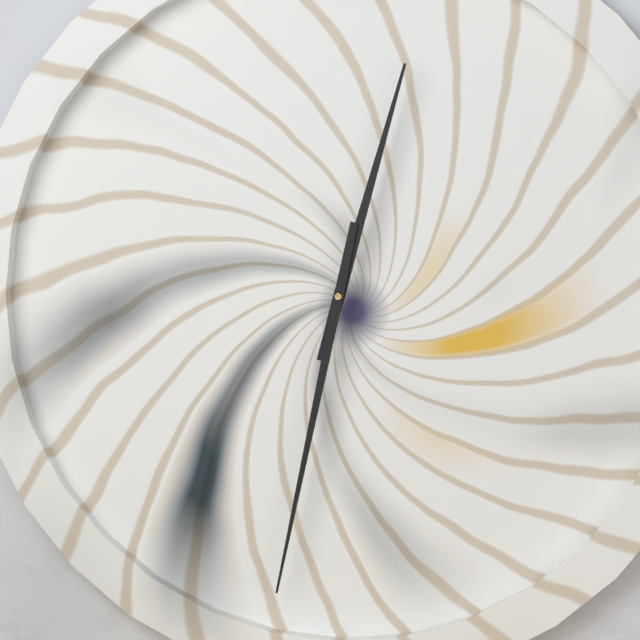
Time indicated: 12:32
